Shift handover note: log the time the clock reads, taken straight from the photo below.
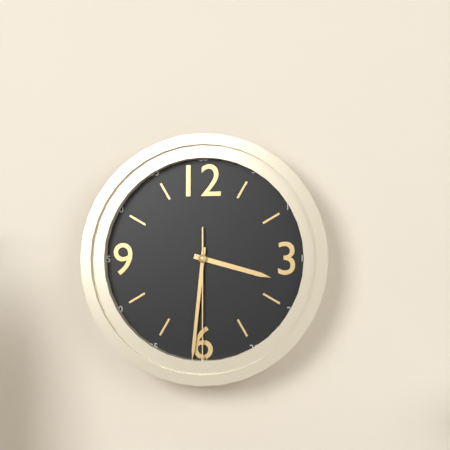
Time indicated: 3:31:30
